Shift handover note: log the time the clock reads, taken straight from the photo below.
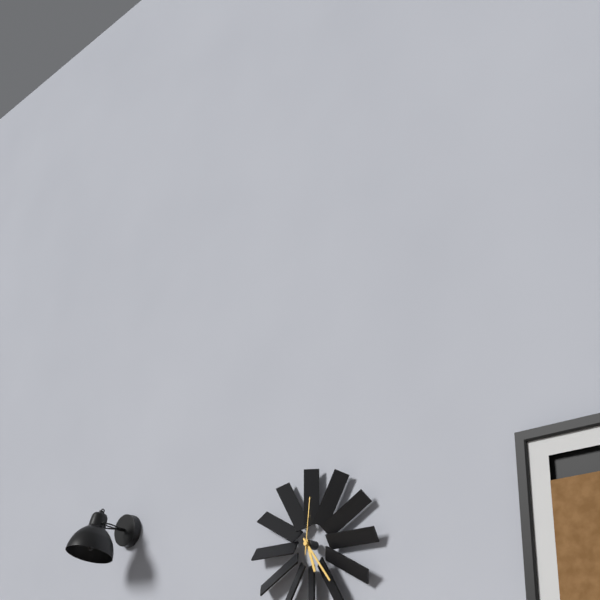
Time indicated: 5:24:01
